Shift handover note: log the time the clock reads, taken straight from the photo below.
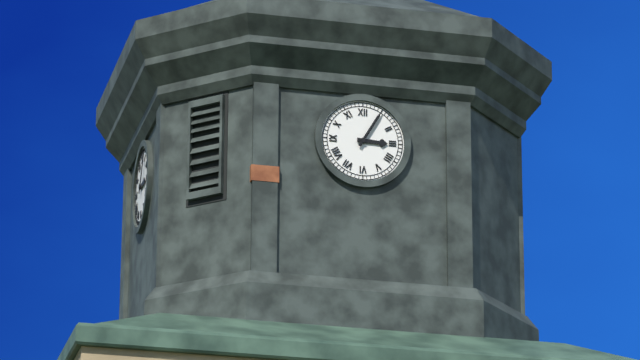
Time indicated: 3:05
